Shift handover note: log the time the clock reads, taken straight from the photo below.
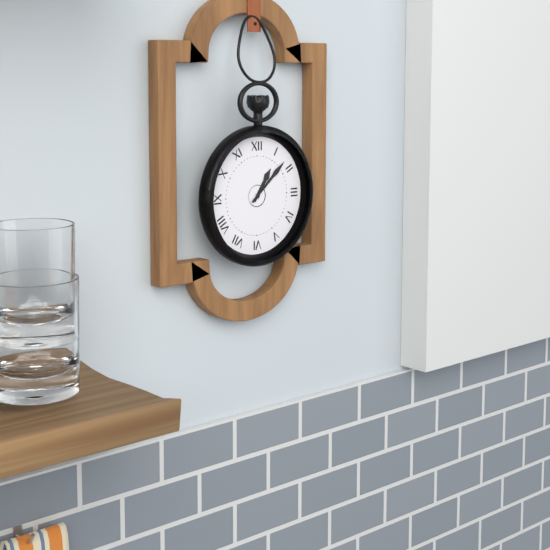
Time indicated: 1:08
